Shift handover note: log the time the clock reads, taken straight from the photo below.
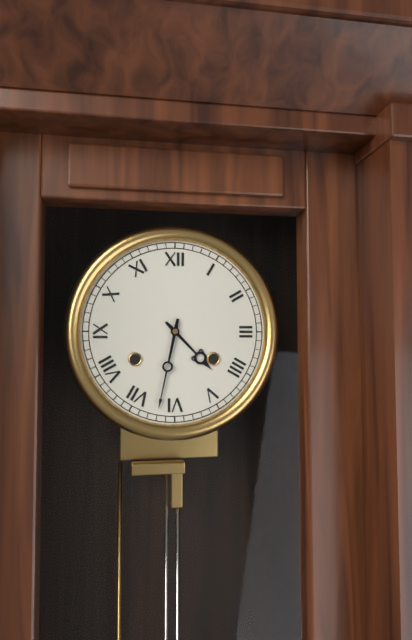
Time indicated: 4:32
